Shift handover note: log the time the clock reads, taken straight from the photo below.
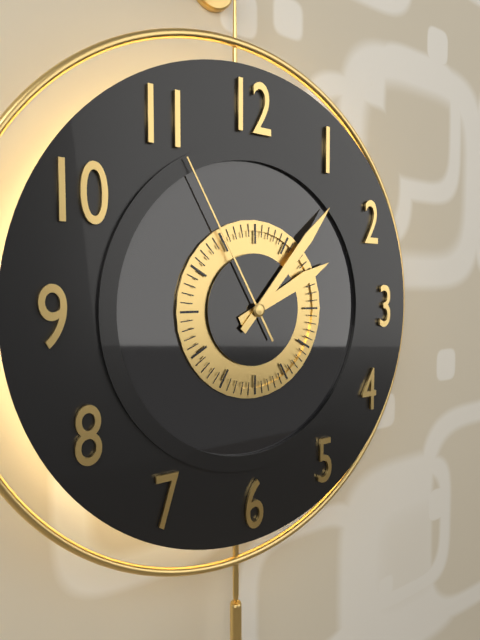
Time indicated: 2:07:55
